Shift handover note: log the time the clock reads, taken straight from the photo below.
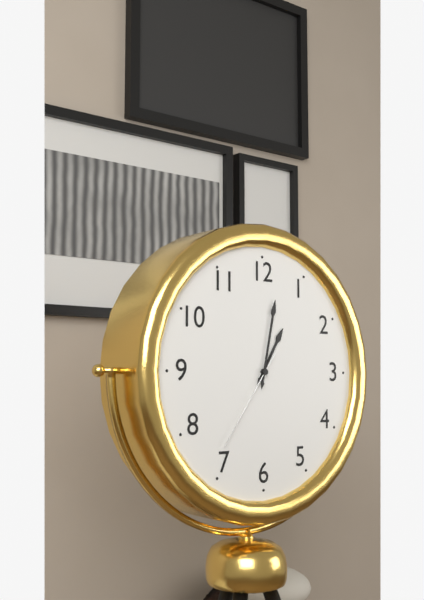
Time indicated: 1:02:36
